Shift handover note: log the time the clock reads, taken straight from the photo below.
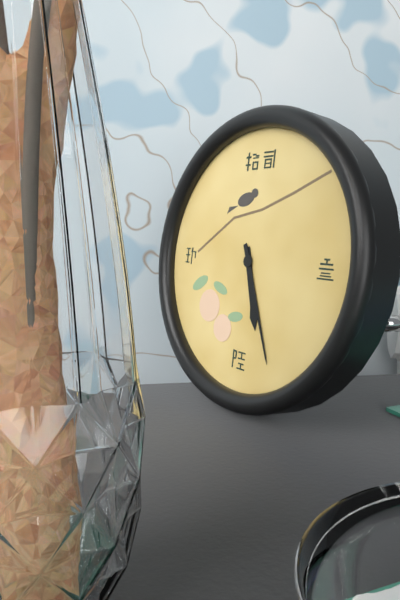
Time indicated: 5:26
